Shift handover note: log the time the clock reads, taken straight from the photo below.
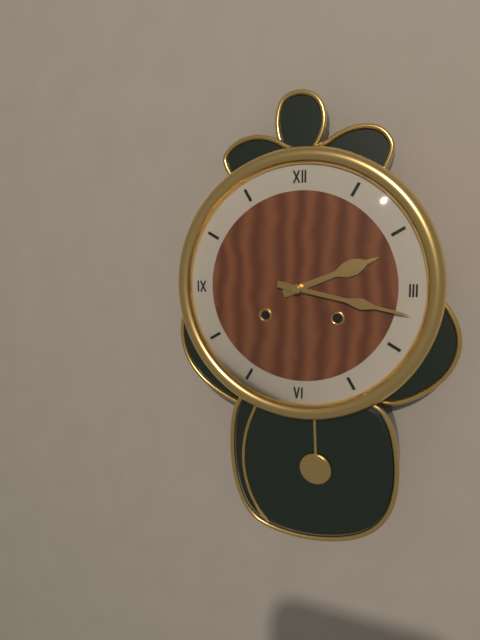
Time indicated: 2:17
